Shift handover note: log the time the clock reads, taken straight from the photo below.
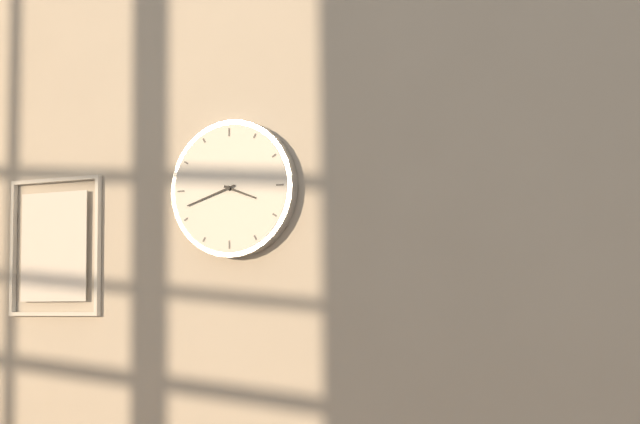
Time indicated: 3:42
